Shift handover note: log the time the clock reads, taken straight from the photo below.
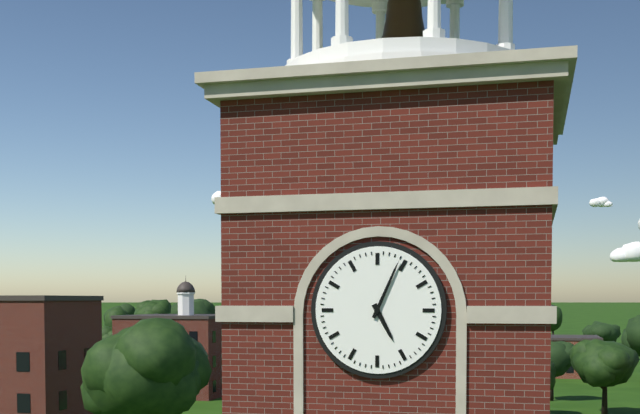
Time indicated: 5:04
